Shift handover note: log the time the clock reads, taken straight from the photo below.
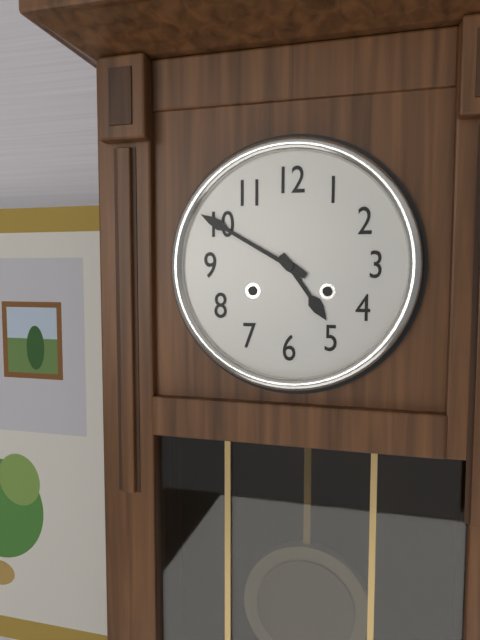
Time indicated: 4:50
